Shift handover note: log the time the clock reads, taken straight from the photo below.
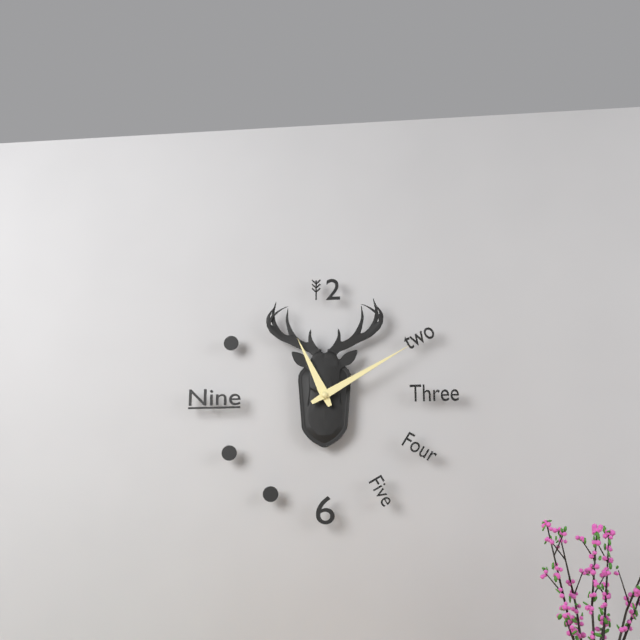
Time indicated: 11:10
